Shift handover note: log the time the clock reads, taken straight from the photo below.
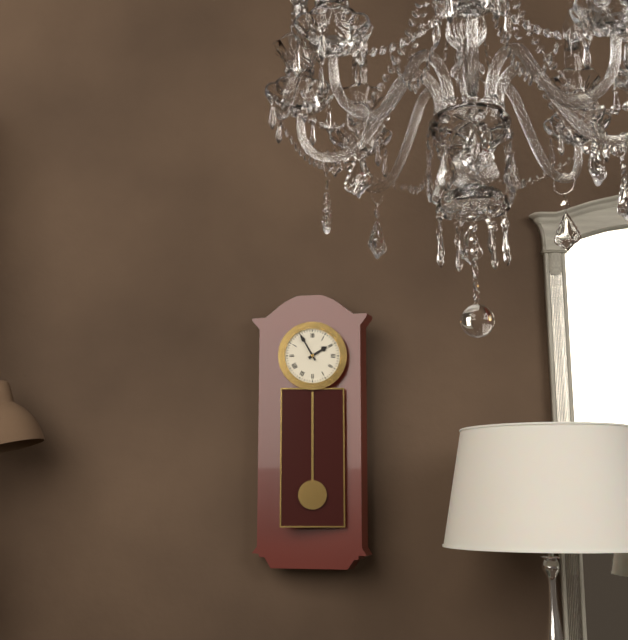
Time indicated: 1:55
